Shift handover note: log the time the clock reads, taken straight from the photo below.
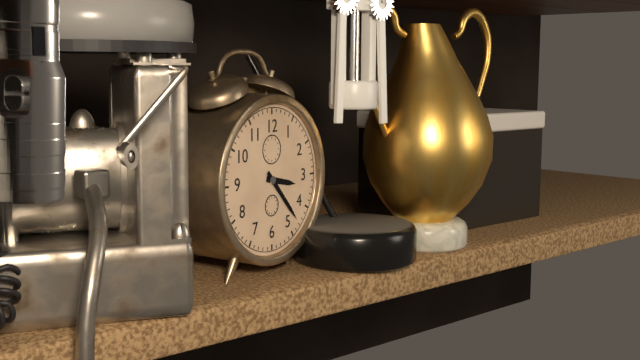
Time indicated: 3:23
